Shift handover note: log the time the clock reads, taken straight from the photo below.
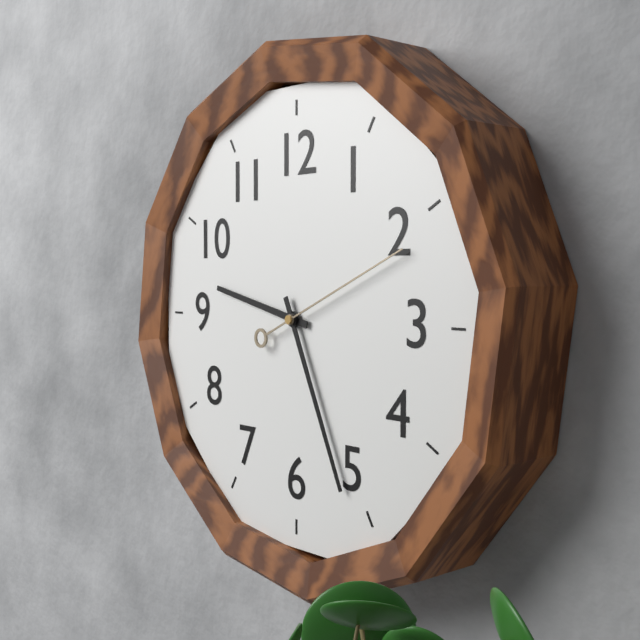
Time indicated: 9:26:11
